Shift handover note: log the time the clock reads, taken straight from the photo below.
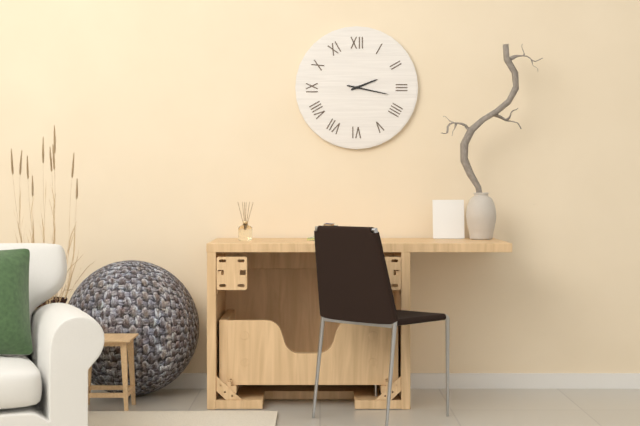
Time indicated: 2:17
